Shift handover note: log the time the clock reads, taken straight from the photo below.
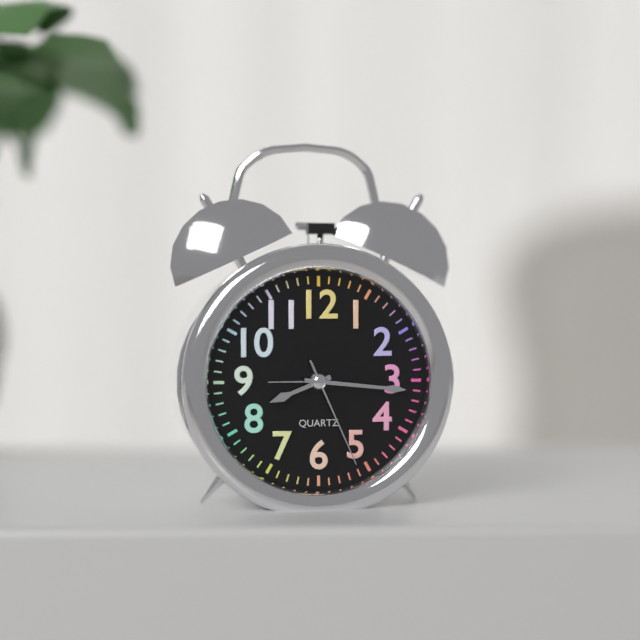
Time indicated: 8:16:26
